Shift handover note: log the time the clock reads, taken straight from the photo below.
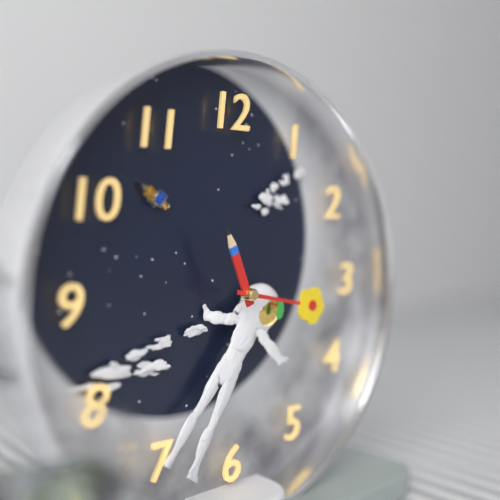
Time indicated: 11:17
